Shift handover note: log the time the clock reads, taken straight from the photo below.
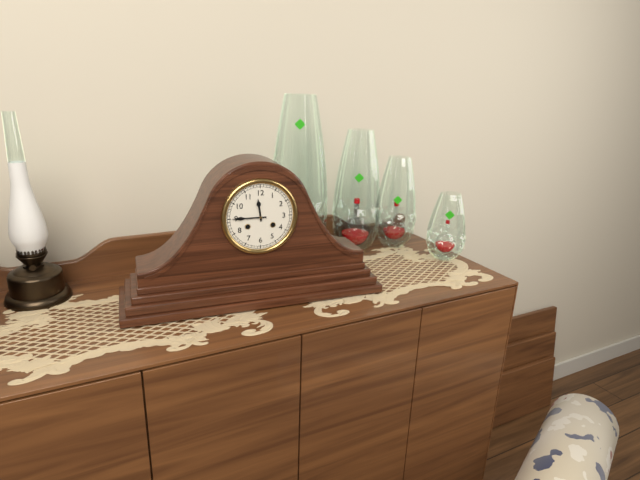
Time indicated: 11:45
